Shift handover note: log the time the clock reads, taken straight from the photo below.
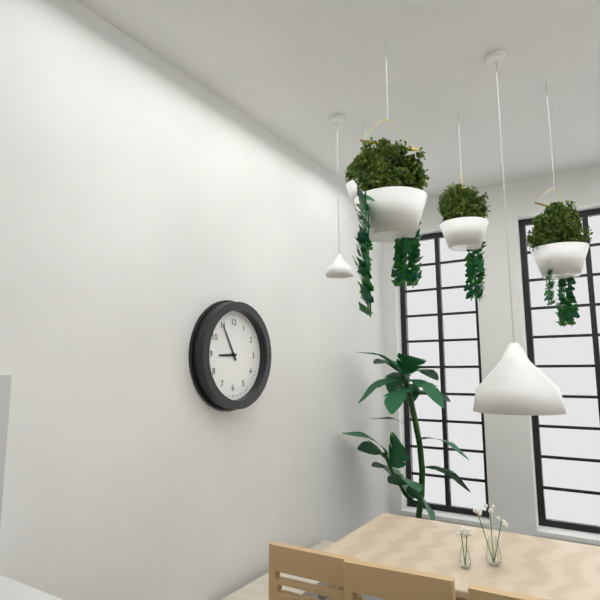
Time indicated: 8:55
